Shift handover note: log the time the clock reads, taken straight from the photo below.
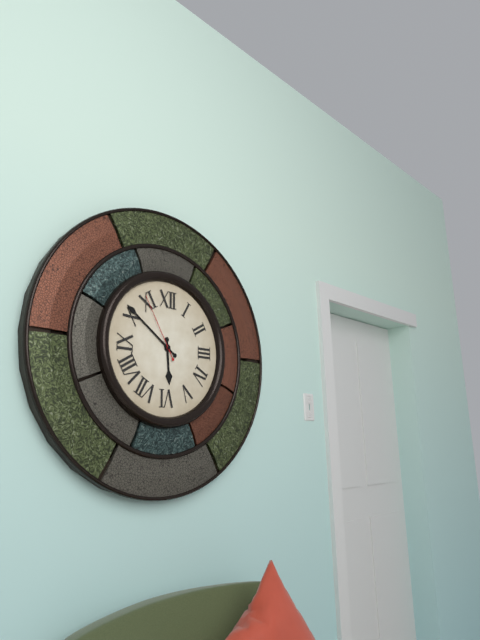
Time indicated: 5:51:55
